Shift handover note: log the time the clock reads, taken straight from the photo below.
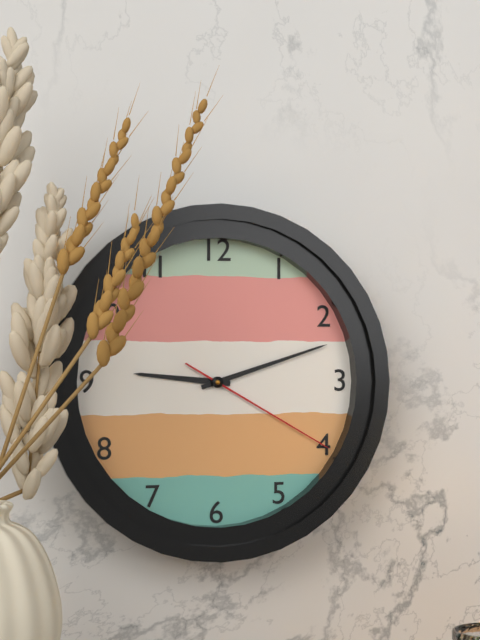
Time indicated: 9:12:20
